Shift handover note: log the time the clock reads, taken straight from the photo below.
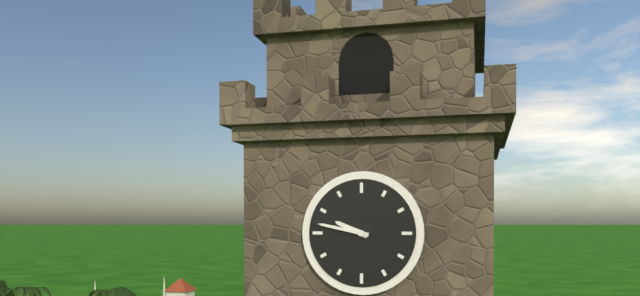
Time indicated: 9:47
